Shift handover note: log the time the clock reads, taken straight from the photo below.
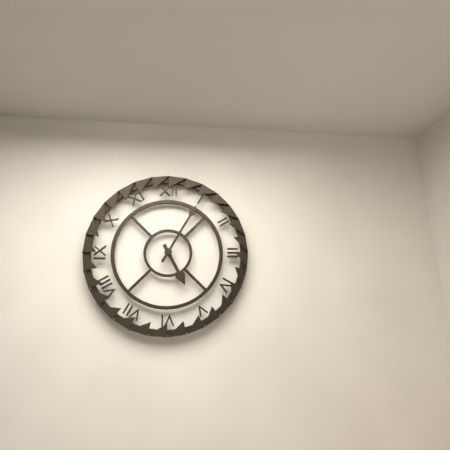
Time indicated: 5:05
